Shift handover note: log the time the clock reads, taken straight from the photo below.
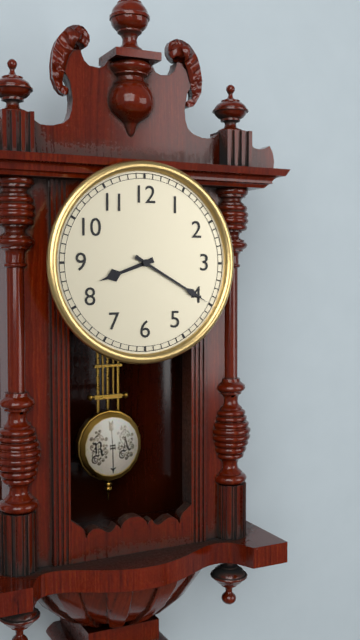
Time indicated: 8:20
